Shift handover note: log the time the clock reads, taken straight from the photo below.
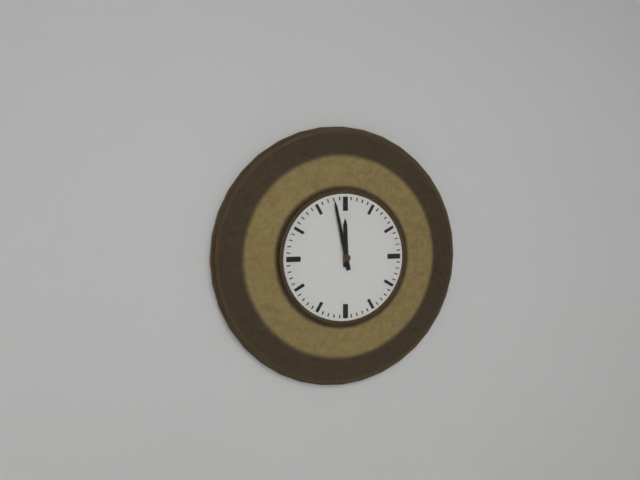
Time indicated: 11:58
